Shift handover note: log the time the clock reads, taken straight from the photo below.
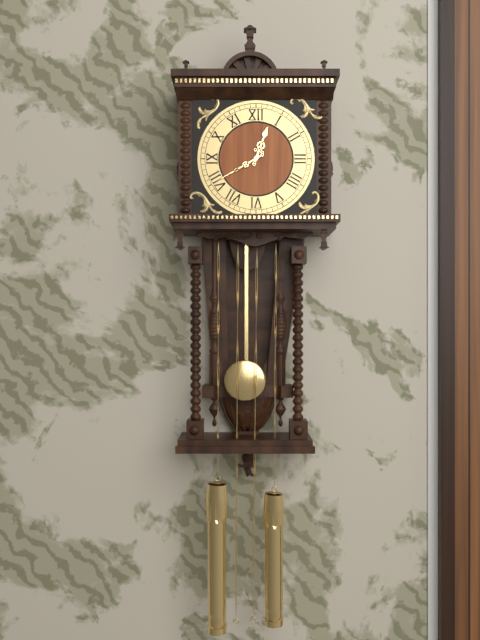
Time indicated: 12:40
